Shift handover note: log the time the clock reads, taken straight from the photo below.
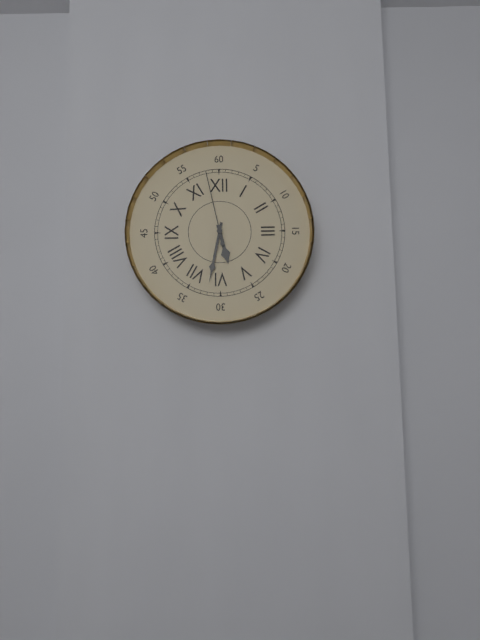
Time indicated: 5:32:58
